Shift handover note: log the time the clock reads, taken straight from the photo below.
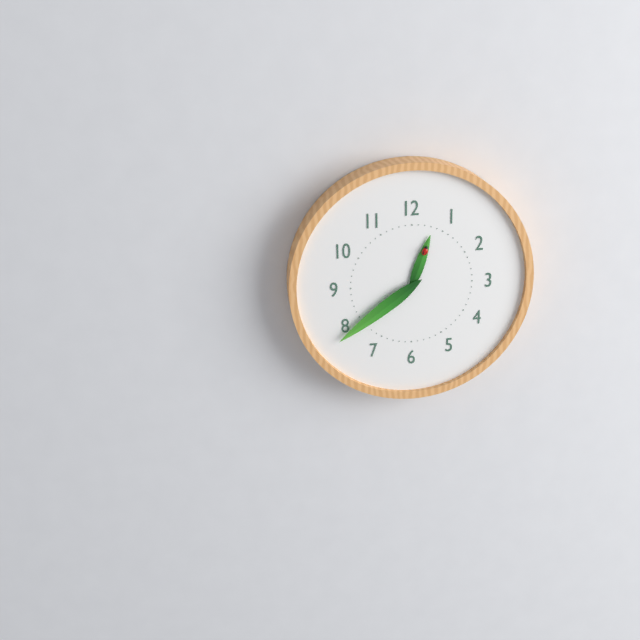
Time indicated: 12:39
